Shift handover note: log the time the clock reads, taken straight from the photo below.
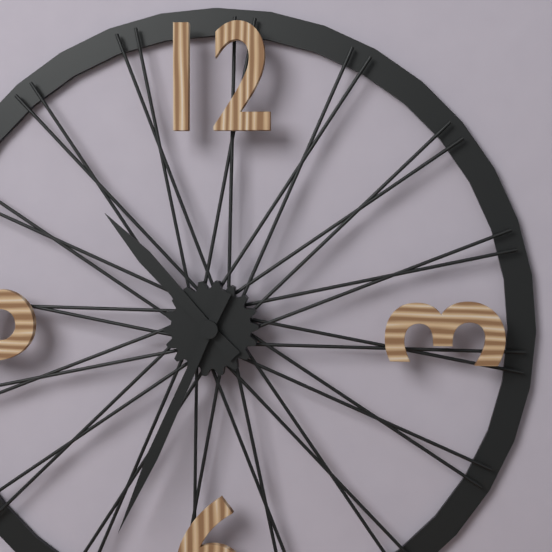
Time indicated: 10:34
